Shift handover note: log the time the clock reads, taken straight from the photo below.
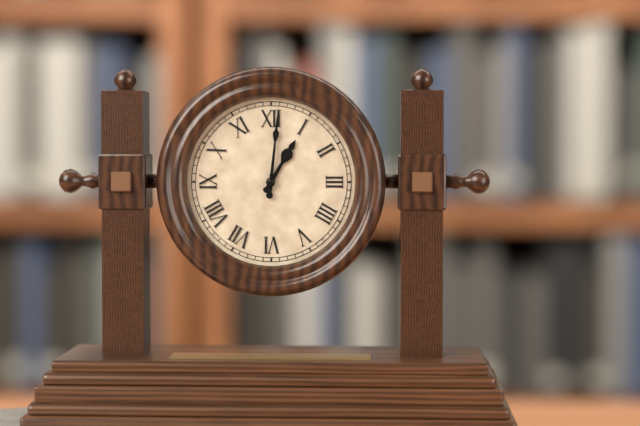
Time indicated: 1:01
